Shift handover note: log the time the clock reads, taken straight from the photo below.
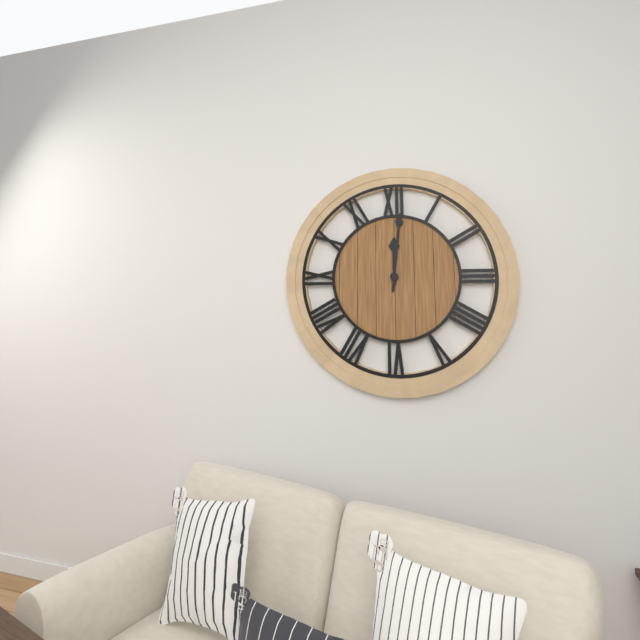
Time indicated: 12:01
